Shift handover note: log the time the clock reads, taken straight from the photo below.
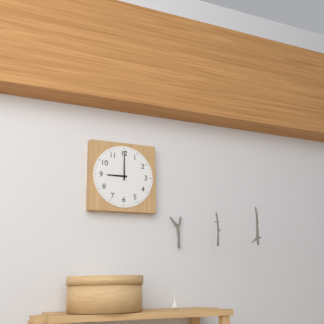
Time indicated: 9:00
